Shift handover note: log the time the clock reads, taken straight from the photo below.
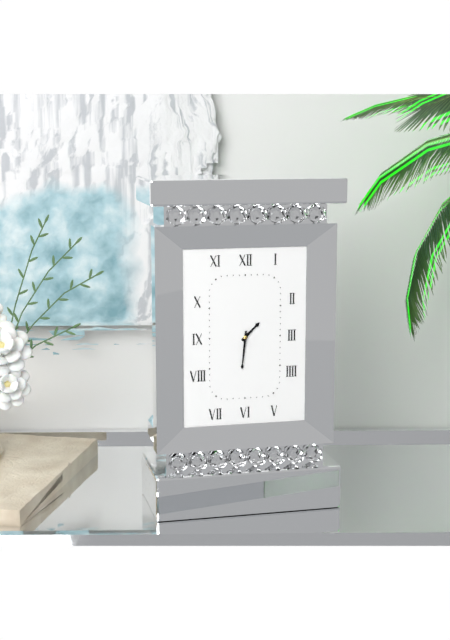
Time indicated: 1:31
